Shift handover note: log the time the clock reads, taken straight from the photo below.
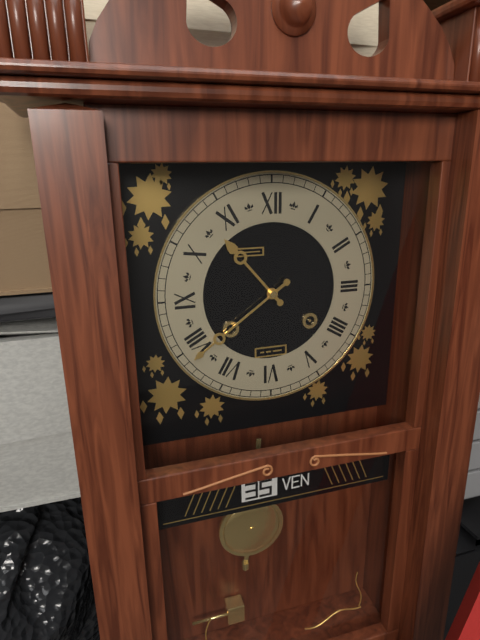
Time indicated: 10:39
